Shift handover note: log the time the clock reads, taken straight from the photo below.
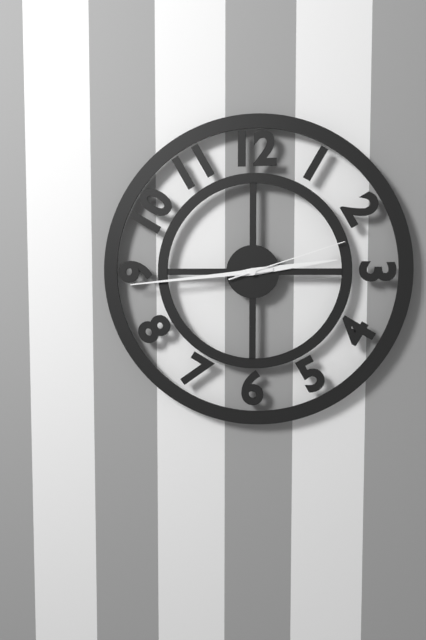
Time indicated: 2:44:12
